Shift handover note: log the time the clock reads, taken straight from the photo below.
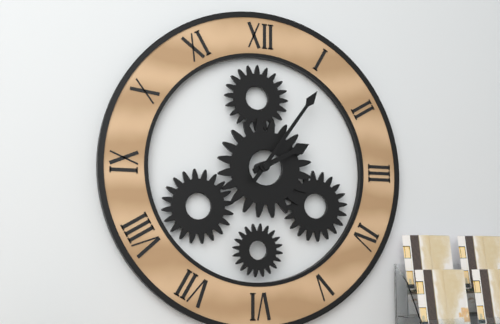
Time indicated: 2:06
